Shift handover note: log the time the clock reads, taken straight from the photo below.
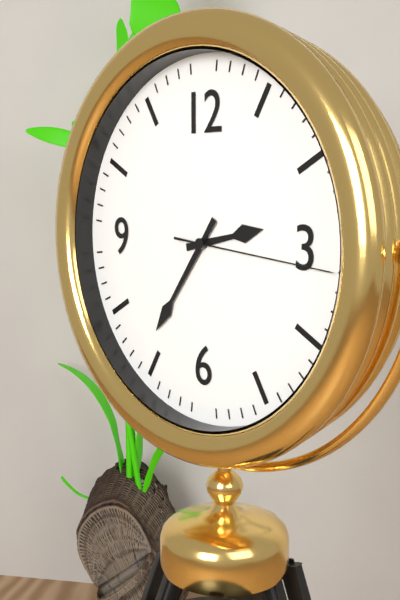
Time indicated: 2:36:16
